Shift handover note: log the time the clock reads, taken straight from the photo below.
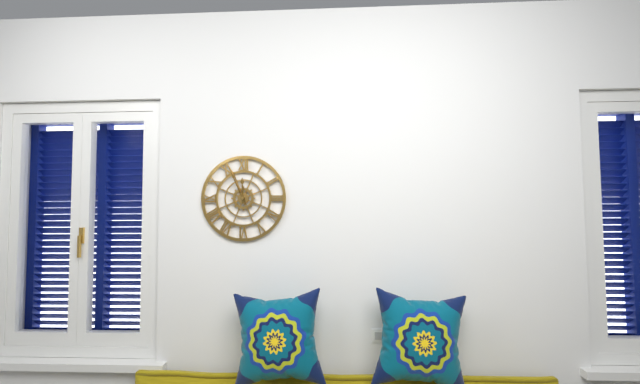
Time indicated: 11:56
